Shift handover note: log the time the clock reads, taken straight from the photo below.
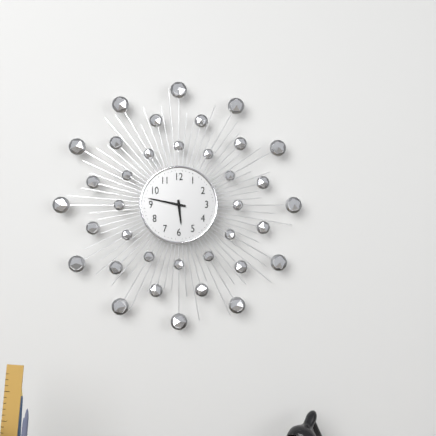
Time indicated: 5:47
